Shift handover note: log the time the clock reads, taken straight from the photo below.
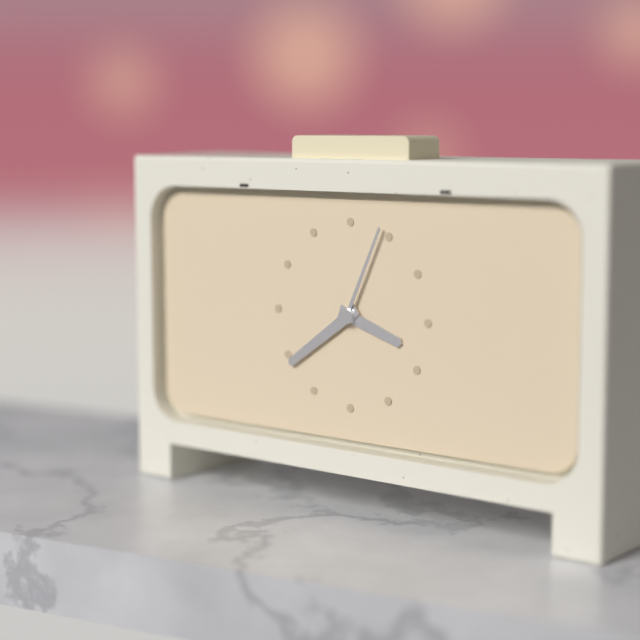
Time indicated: 3:39:04
